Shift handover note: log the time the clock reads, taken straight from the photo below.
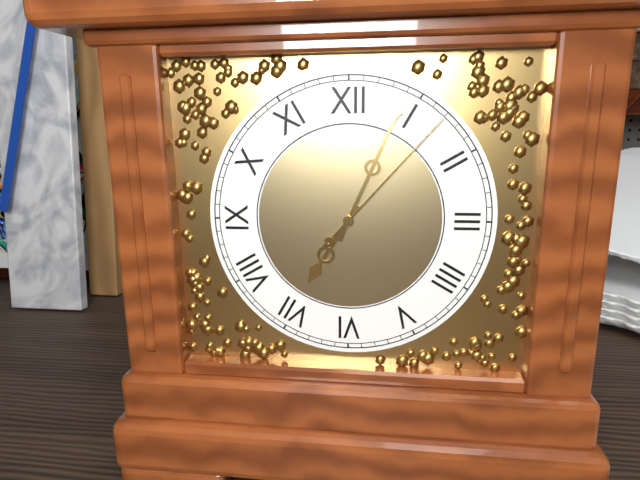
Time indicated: 7:04:07
